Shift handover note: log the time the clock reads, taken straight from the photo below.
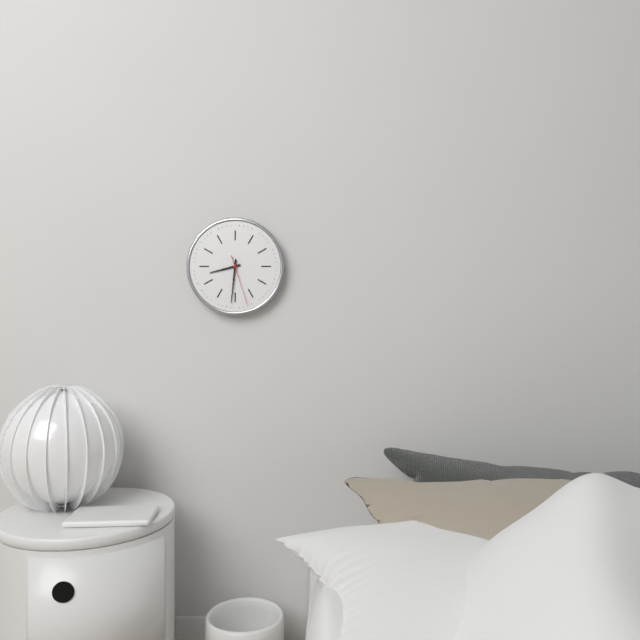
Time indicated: 8:31:27
